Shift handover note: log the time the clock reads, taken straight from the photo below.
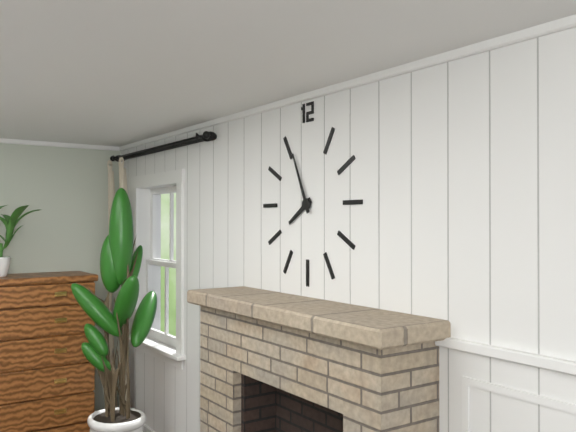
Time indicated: 7:56
